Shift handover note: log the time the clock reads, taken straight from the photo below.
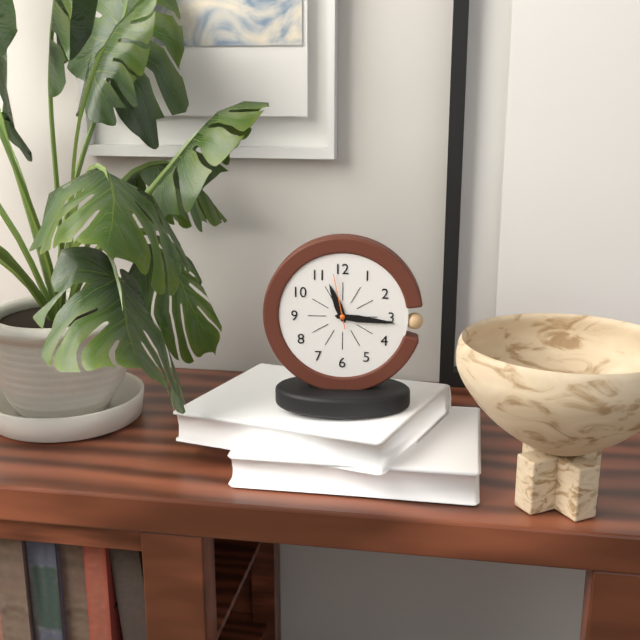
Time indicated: 11:16:58
